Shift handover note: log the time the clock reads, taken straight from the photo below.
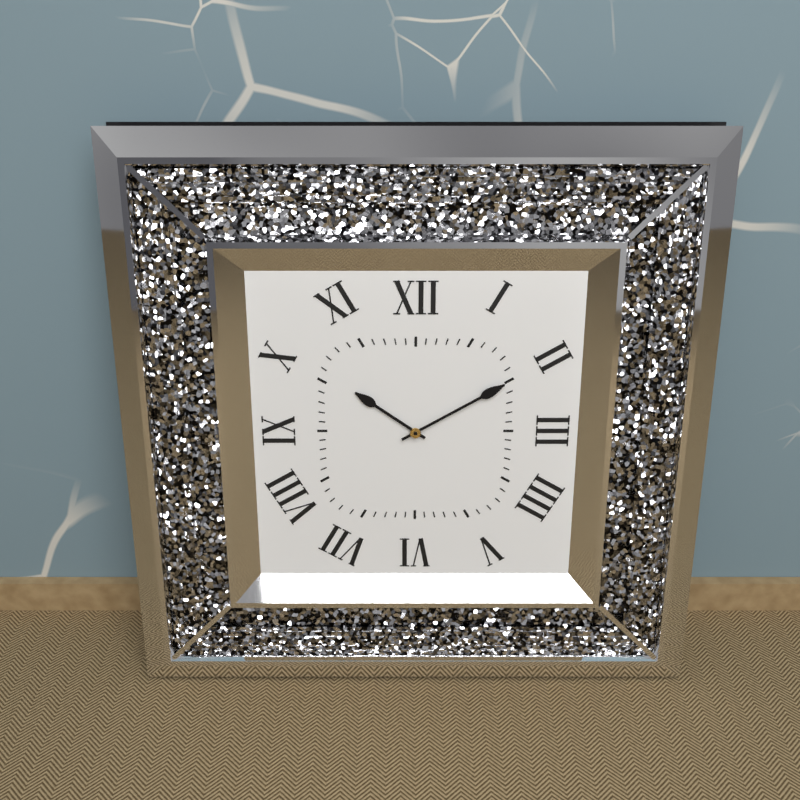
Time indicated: 10:10
